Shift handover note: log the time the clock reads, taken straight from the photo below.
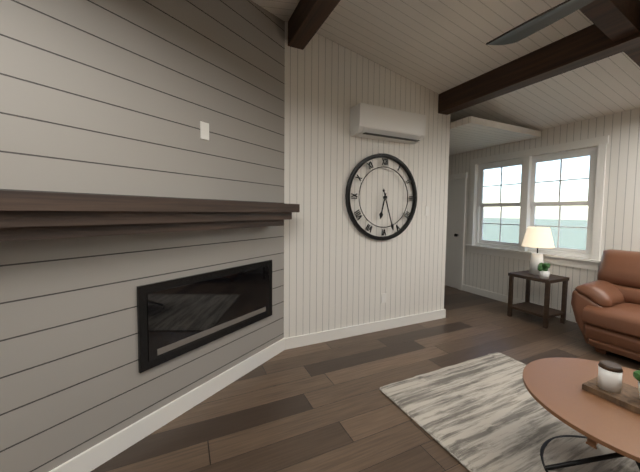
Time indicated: 6:27
